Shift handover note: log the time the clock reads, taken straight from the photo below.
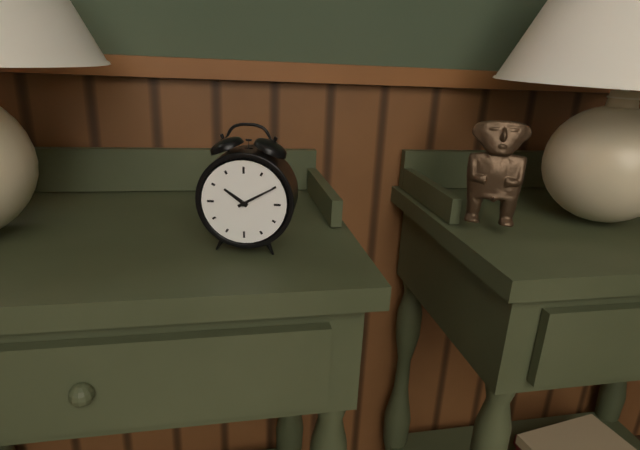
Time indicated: 10:10
